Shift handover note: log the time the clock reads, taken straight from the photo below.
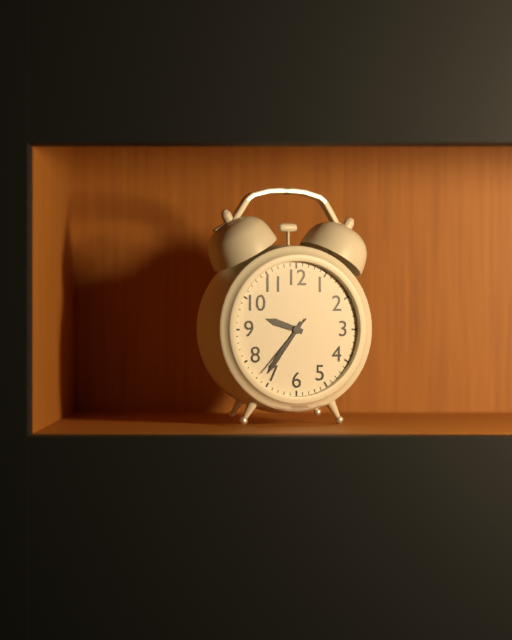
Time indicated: 9:36:37
